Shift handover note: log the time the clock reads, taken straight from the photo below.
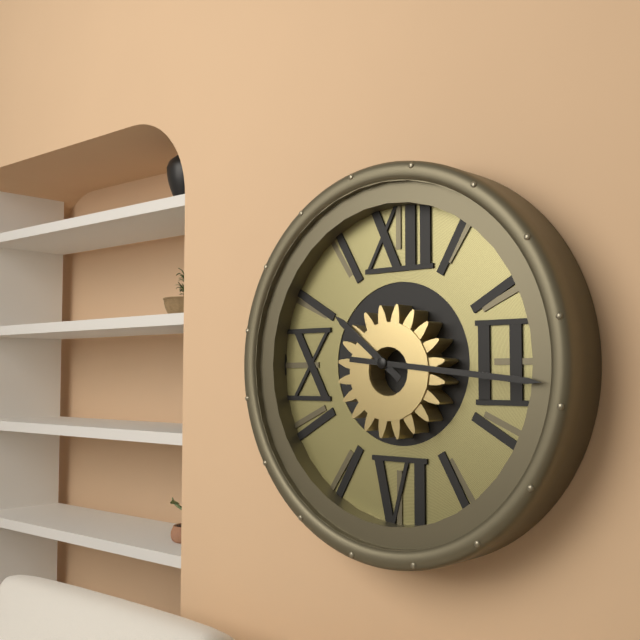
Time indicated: 10:16
